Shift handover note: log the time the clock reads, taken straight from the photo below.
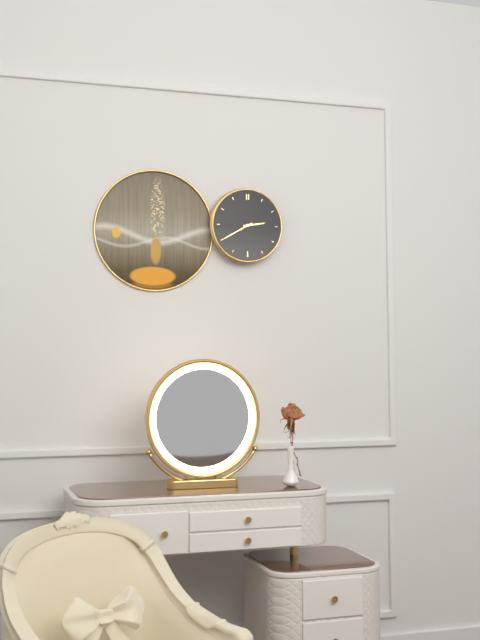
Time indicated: 2:40
